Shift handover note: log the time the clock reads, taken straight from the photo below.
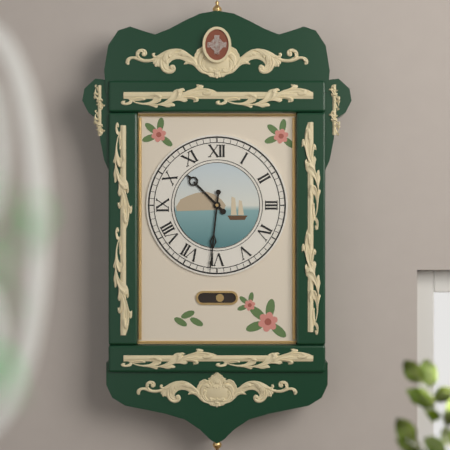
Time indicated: 10:31
